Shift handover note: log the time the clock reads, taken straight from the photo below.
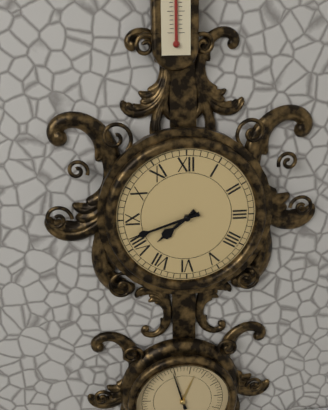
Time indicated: 7:42
